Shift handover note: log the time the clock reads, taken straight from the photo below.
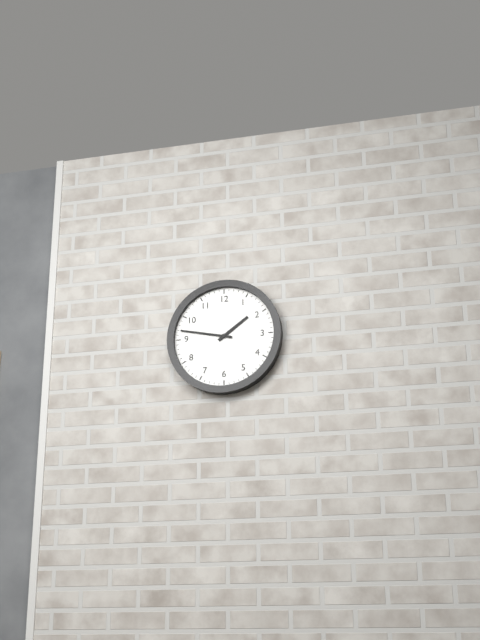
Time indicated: 1:47
